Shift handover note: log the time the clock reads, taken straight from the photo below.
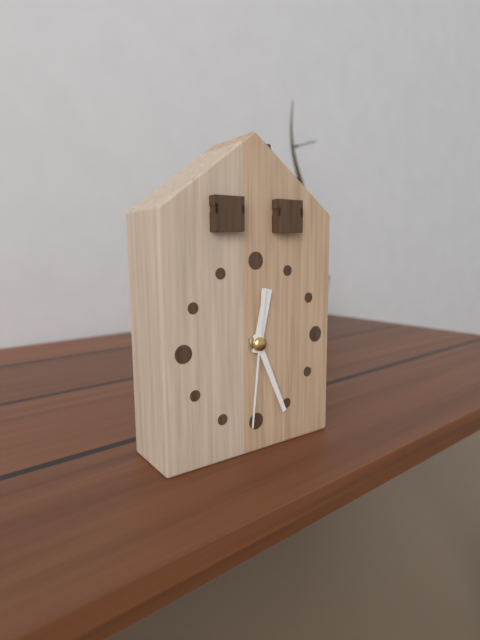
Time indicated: 12:26:31
